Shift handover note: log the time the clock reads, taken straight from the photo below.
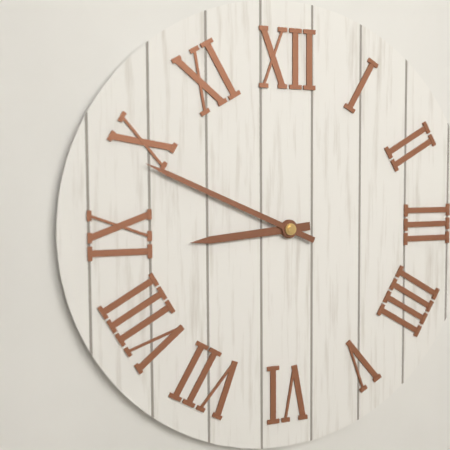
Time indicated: 8:49
